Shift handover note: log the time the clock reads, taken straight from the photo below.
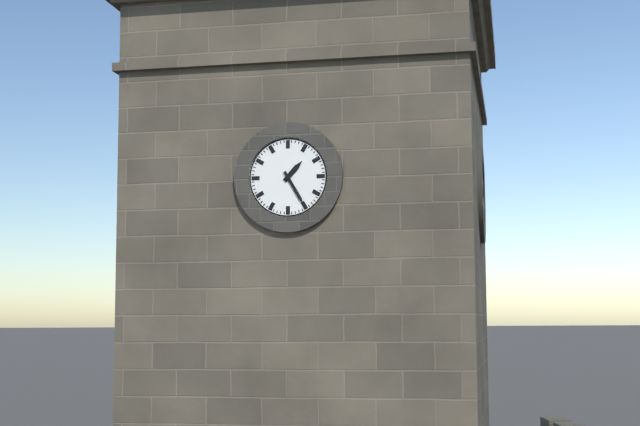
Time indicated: 1:25
